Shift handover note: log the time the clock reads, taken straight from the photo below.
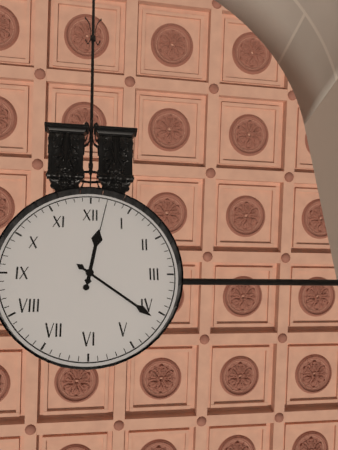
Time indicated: 12:21:02
